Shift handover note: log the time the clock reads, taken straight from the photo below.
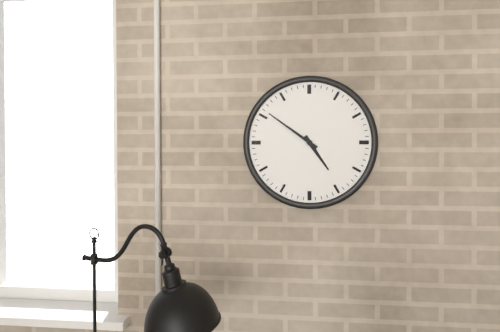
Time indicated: 4:51
